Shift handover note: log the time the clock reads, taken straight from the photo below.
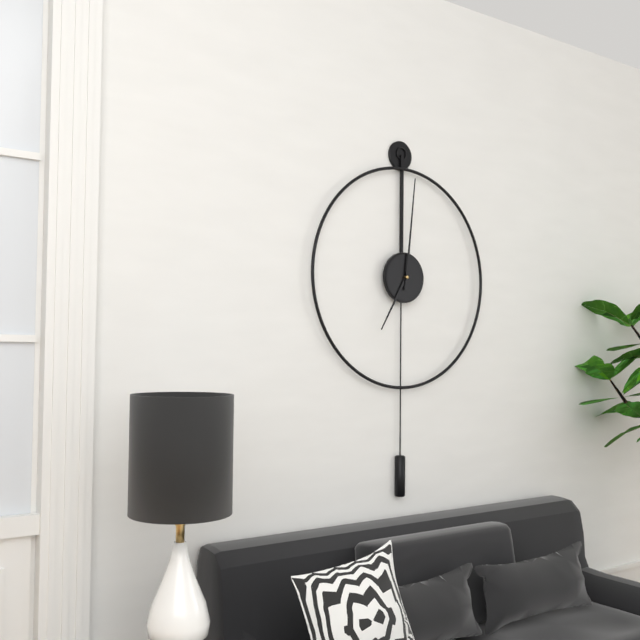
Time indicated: 7:01
